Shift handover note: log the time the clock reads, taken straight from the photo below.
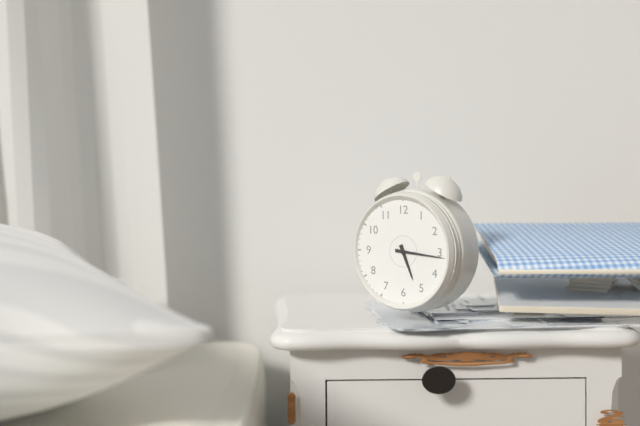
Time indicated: 5:16
